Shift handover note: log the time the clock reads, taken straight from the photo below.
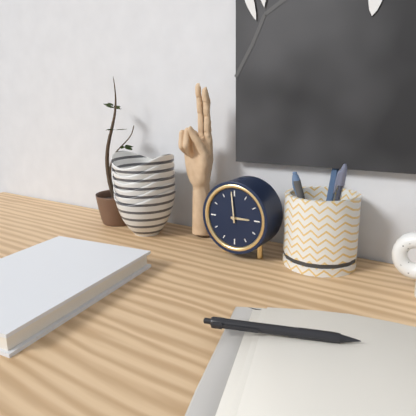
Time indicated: 2:59
